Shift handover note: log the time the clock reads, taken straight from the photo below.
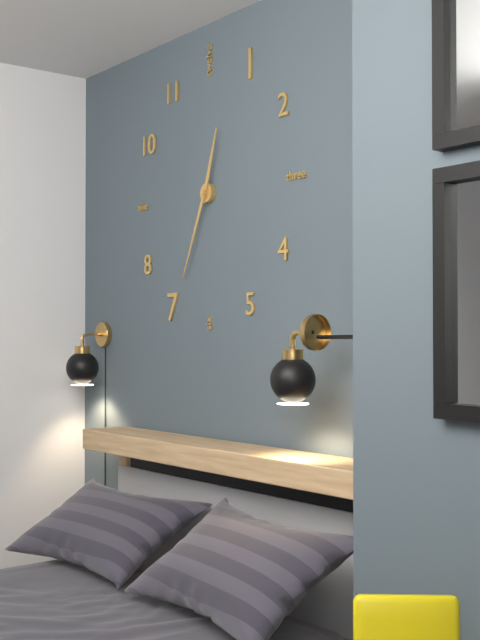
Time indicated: 12:34
